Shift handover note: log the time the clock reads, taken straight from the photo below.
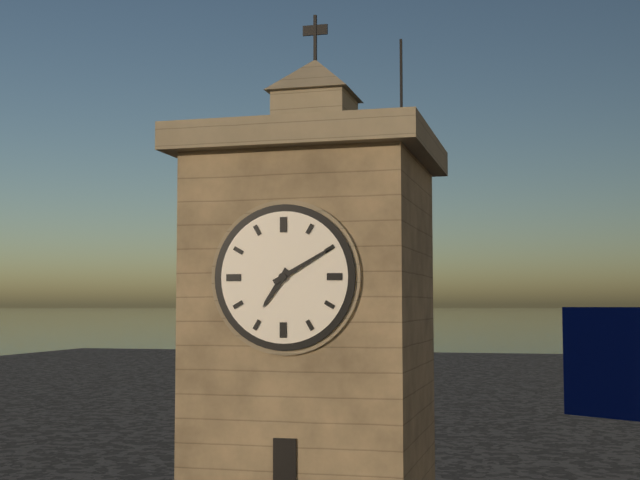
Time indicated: 7:10
